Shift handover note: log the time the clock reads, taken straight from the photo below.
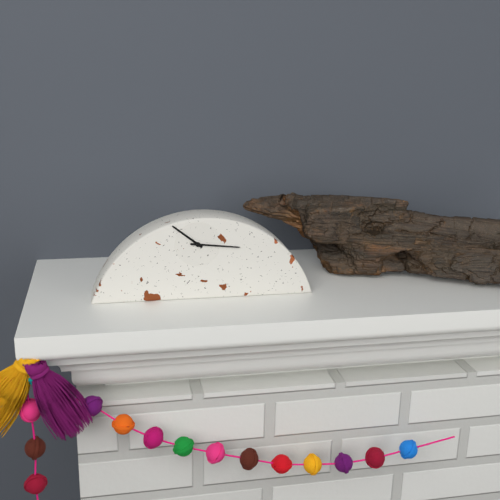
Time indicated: 10:16
